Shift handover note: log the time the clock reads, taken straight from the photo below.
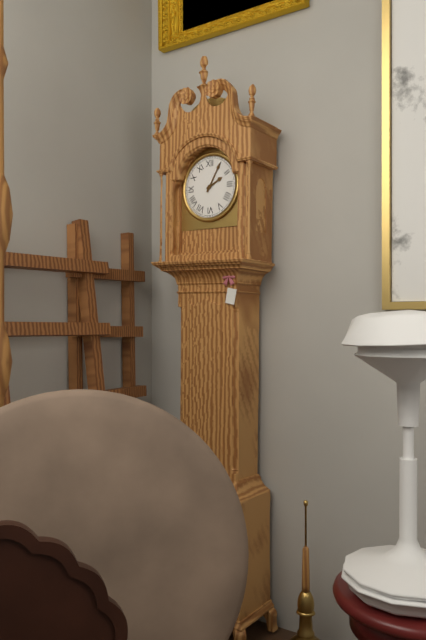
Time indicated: 2:05
